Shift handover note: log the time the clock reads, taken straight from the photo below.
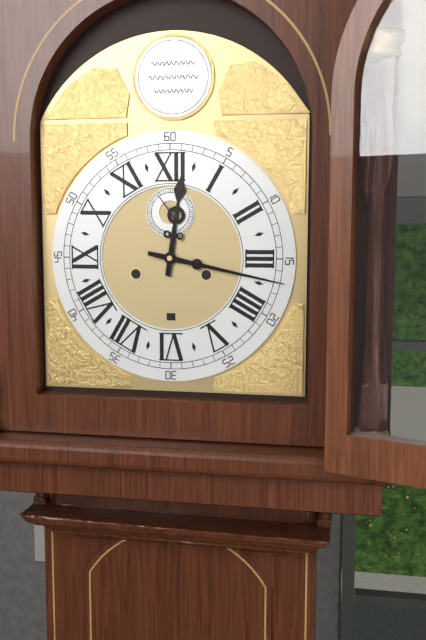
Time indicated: 12:17
